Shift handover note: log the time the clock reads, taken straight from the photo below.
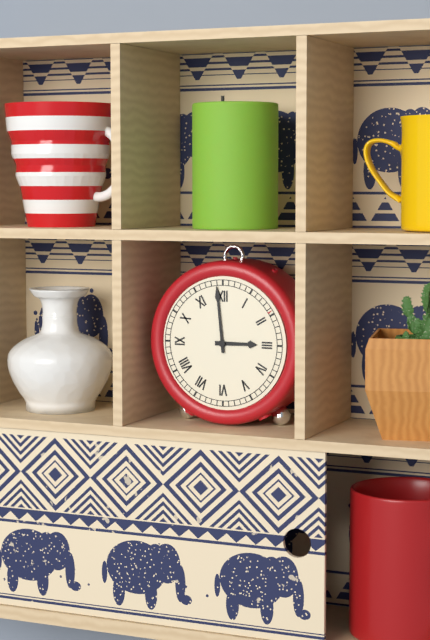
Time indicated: 2:59
